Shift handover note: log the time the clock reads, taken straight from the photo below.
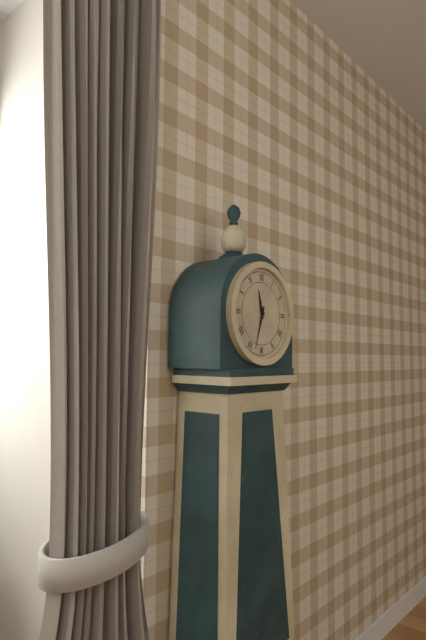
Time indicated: 11:33
